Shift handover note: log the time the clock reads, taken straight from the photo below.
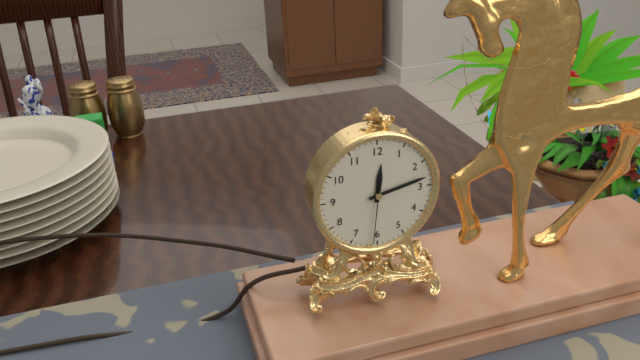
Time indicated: 12:13:31
